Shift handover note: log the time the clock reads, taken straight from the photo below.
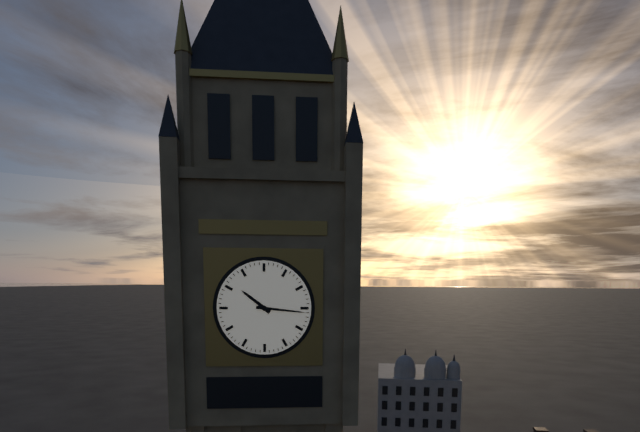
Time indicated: 10:16
